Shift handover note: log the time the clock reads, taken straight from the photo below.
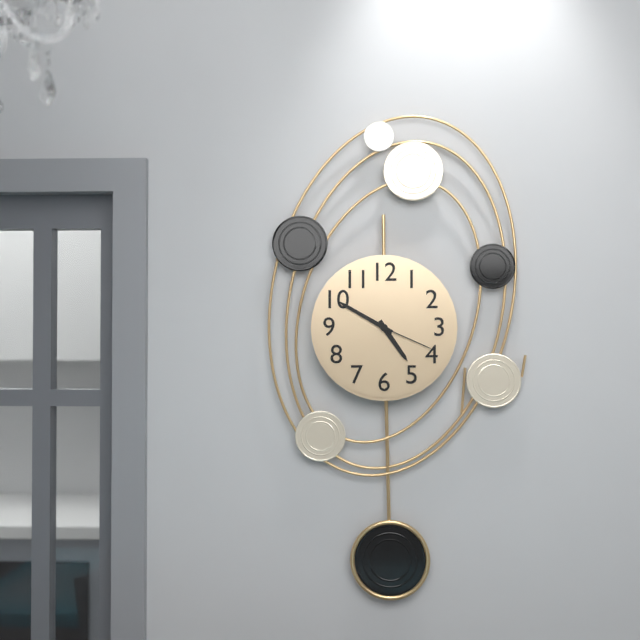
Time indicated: 4:50:19
